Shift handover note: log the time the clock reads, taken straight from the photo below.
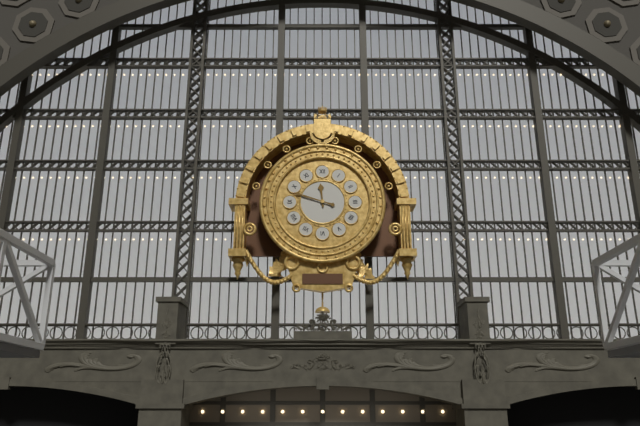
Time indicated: 11:48
